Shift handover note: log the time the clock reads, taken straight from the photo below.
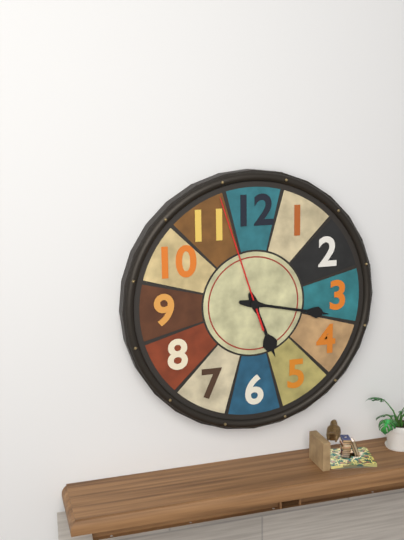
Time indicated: 5:17:57
